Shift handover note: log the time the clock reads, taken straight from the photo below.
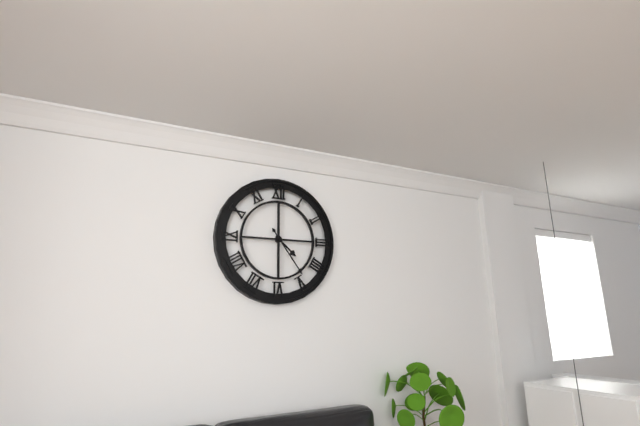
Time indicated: 4:24
